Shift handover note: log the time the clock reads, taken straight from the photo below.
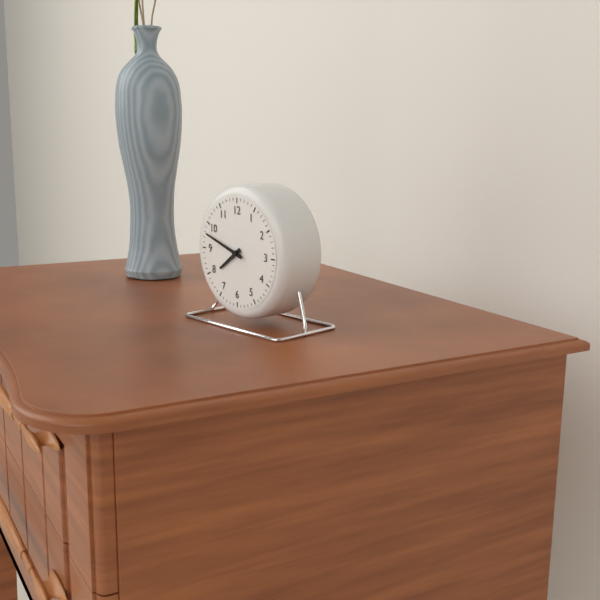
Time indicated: 7:48
